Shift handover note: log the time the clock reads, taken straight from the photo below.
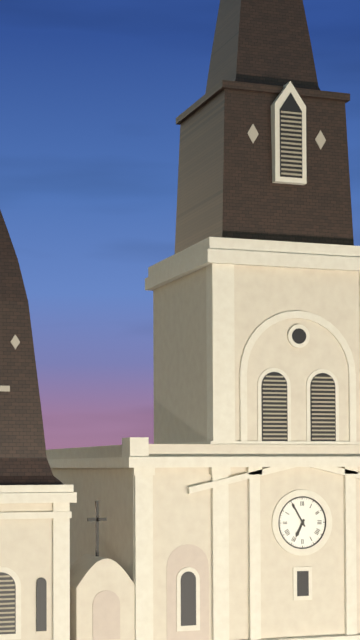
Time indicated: 6:55
